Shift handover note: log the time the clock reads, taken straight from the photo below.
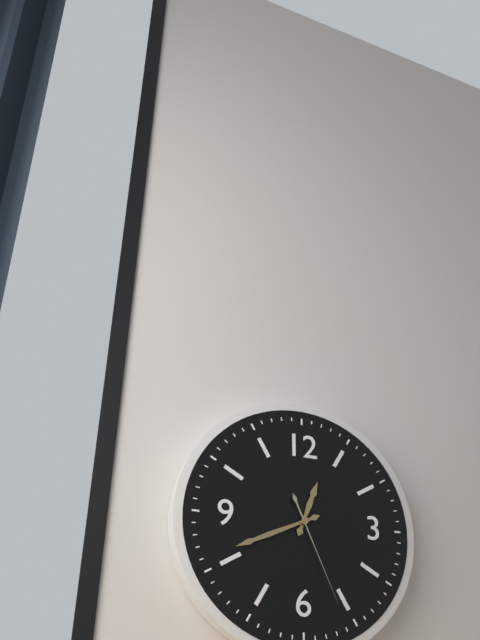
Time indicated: 12:41:26
